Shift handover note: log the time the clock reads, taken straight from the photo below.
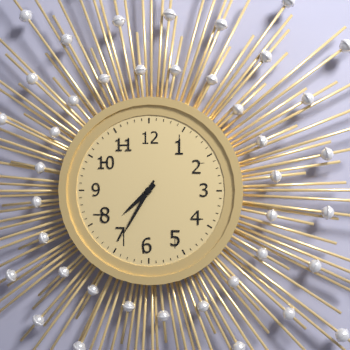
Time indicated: 7:35
